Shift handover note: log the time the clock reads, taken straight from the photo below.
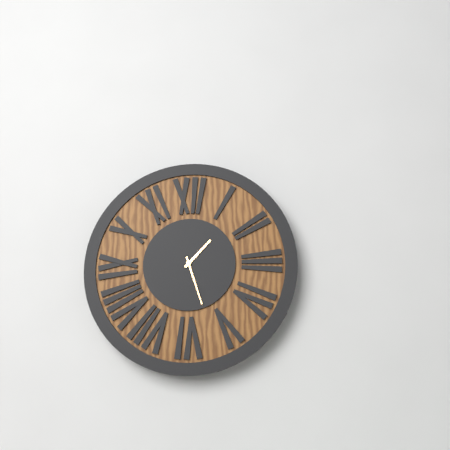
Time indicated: 1:27
